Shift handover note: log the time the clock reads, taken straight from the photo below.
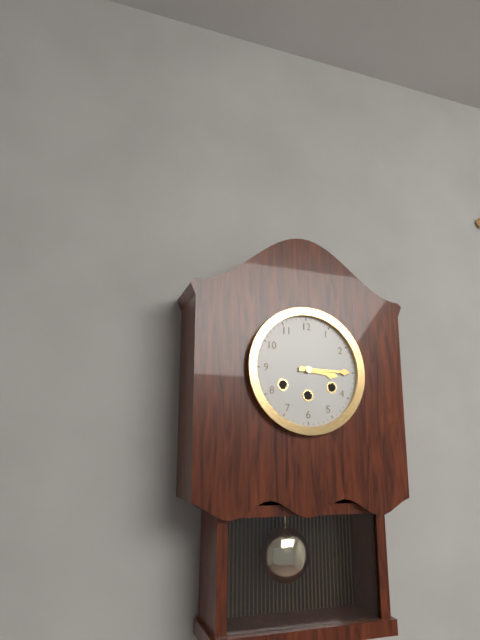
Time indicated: 3:15
